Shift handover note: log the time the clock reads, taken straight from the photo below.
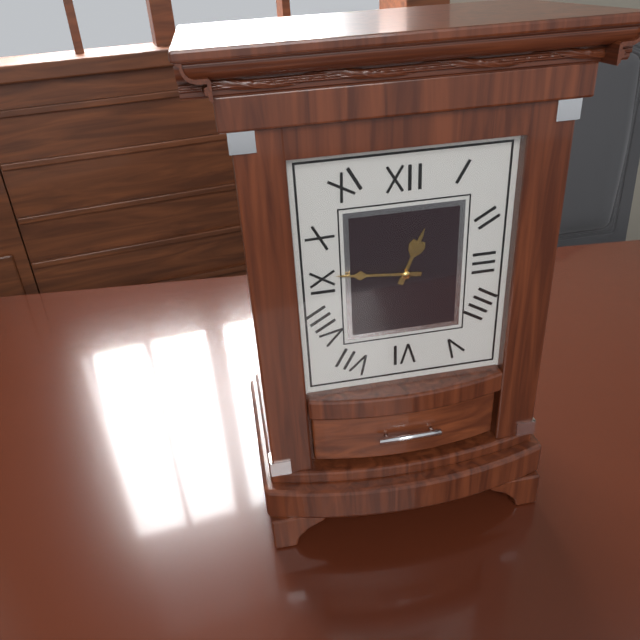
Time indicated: 12:46
